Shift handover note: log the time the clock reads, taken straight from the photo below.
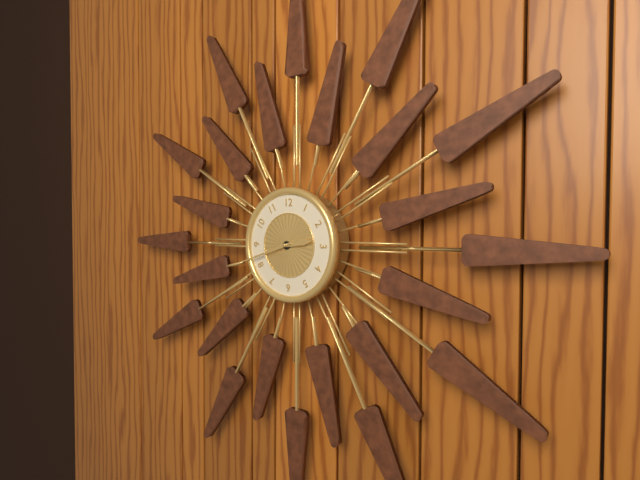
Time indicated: 2:42
